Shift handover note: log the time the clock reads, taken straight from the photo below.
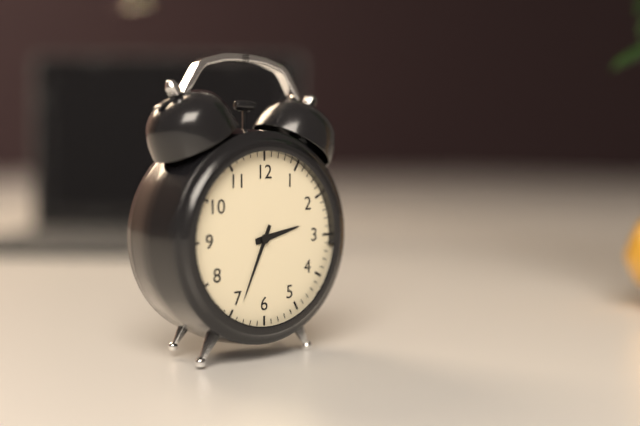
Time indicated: 2:34
